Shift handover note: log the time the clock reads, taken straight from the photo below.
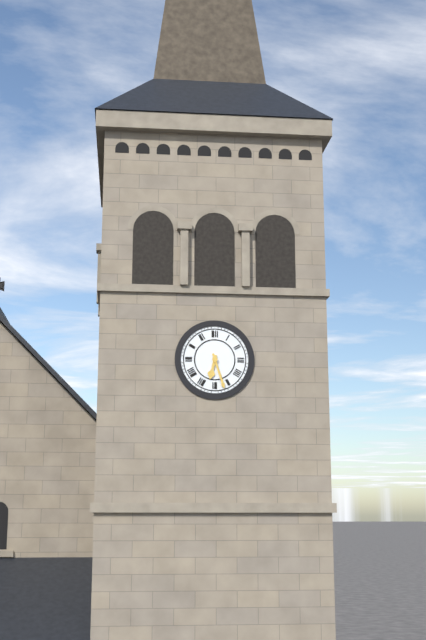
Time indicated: 6:27
